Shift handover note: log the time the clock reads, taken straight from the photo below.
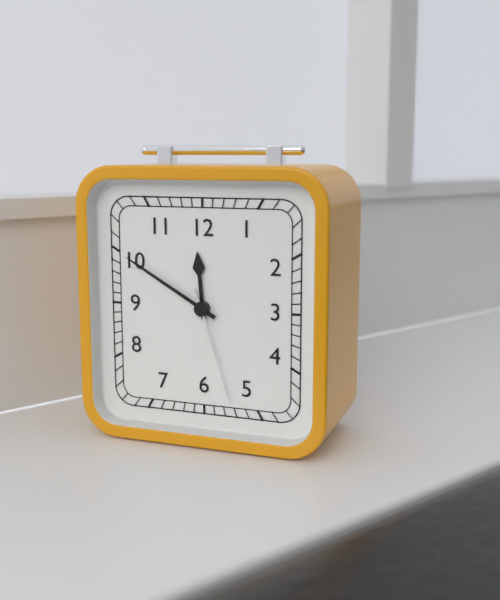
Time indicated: 11:50:27
